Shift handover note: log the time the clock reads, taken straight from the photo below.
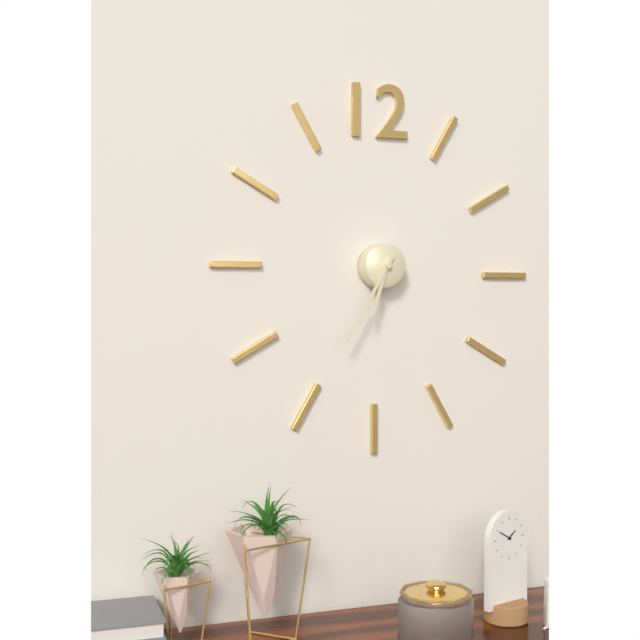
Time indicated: 6:35
